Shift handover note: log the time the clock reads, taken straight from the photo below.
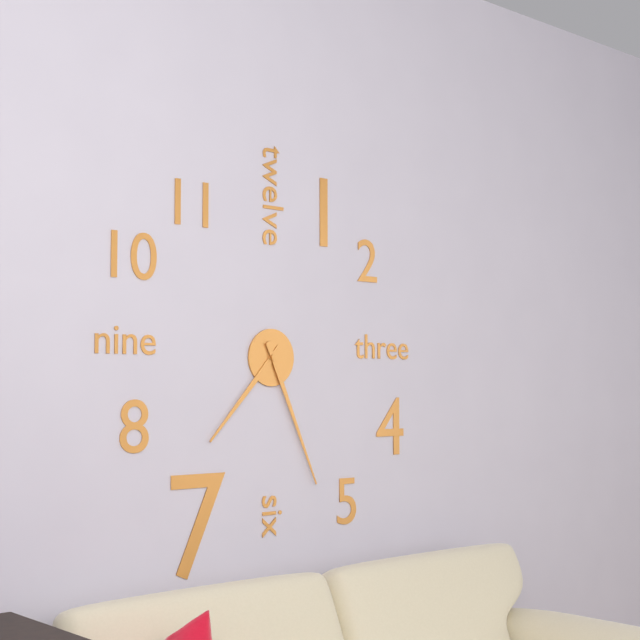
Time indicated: 7:26
